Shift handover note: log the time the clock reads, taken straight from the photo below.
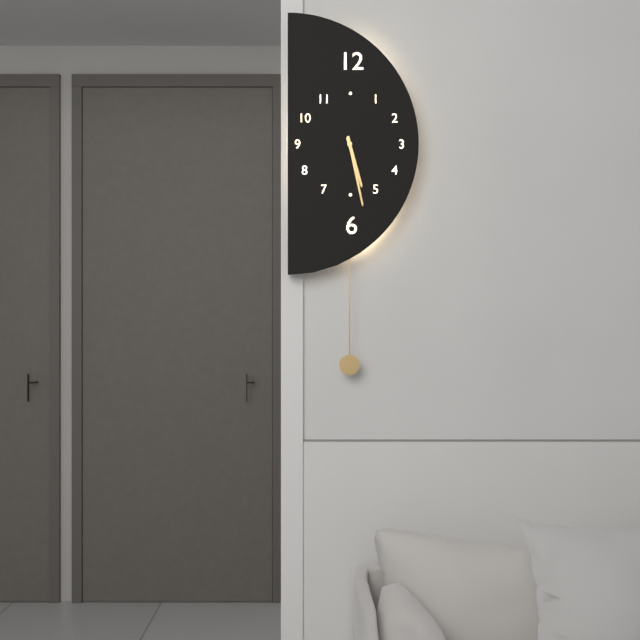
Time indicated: 5:28
